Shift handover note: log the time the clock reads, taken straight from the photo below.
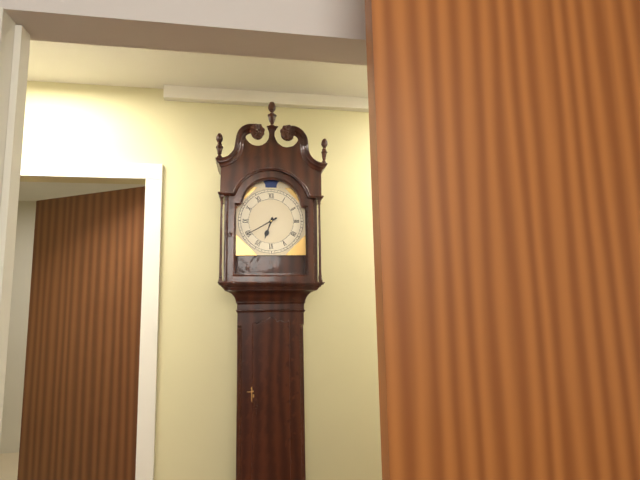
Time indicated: 6:40
